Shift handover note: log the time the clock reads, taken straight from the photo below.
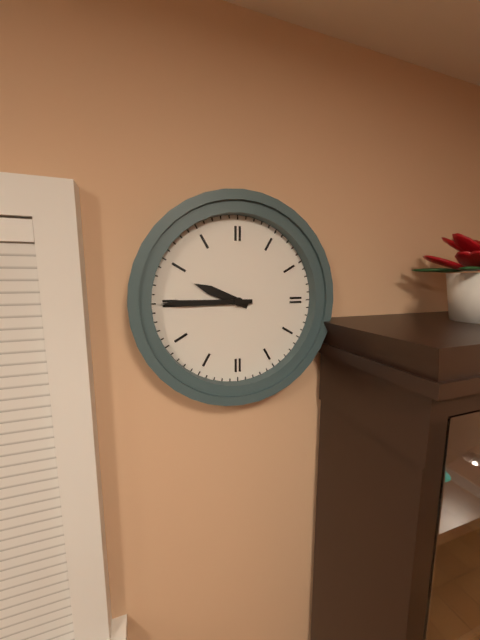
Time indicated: 9:45
